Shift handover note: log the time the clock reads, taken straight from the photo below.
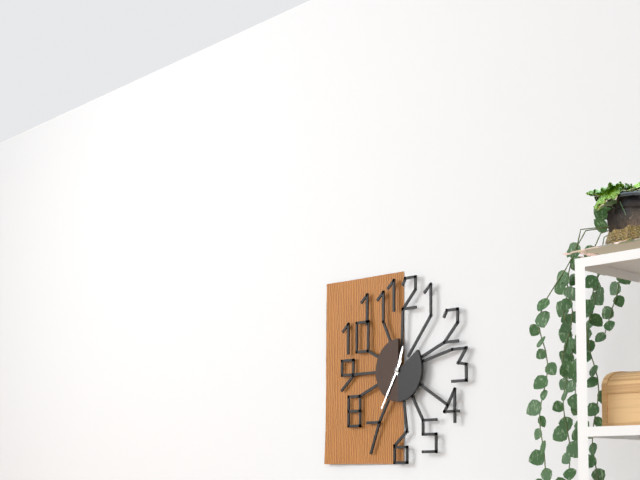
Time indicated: 12:35
